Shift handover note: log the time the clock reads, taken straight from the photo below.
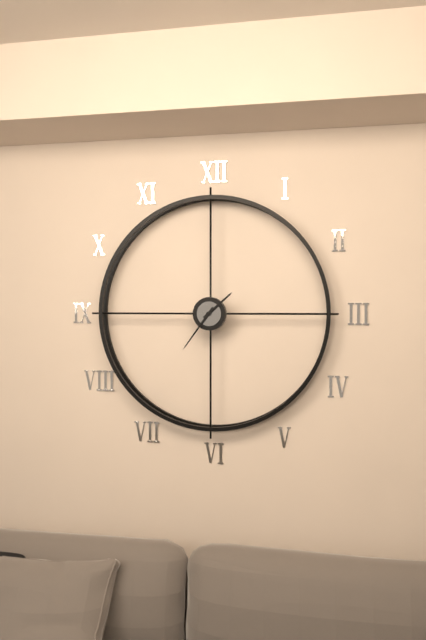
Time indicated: 1:36
